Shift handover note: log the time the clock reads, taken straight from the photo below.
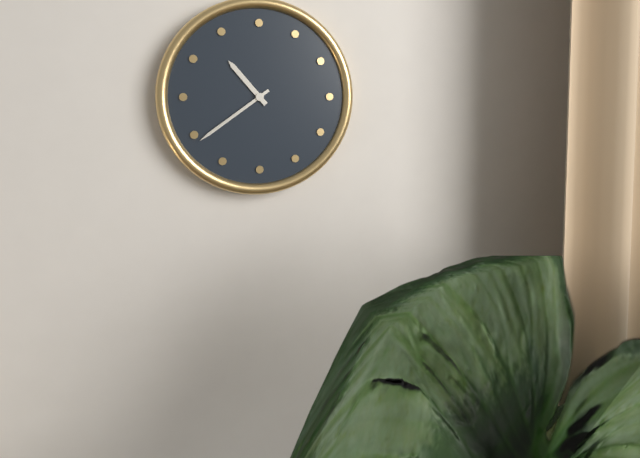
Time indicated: 10:39
